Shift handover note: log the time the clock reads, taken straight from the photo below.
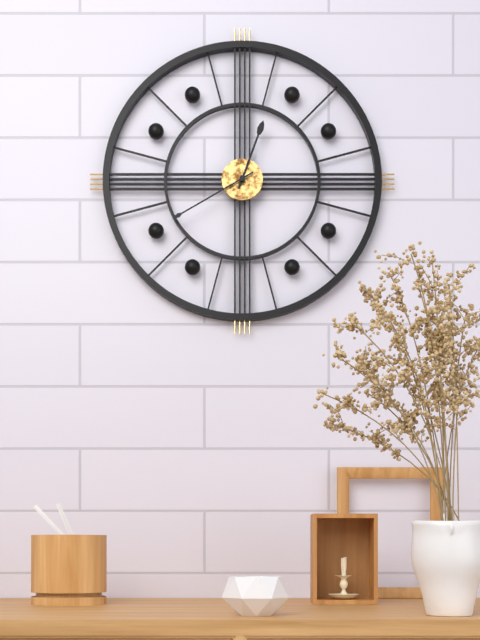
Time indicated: 12:40
